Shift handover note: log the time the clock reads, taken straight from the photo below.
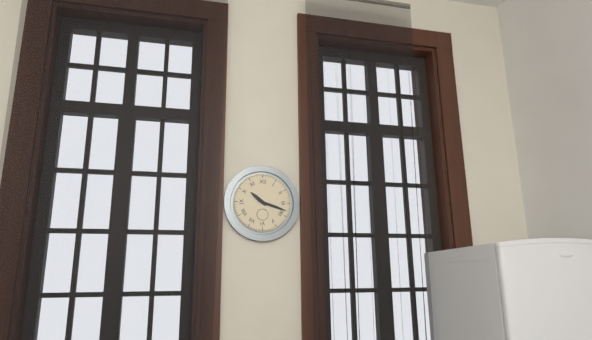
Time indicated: 10:18
